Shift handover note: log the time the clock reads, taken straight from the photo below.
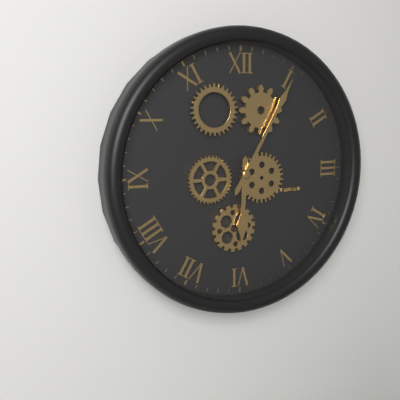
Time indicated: 6:05
